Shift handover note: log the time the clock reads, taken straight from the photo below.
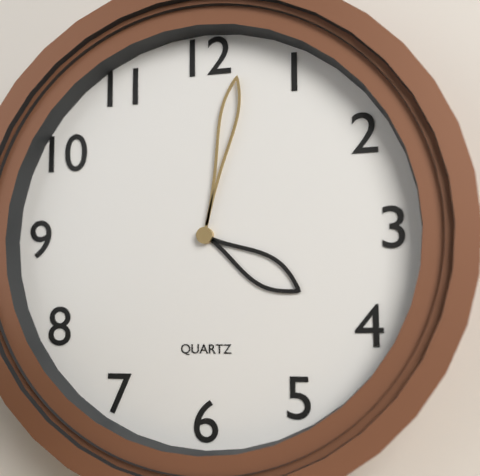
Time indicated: 4:02
